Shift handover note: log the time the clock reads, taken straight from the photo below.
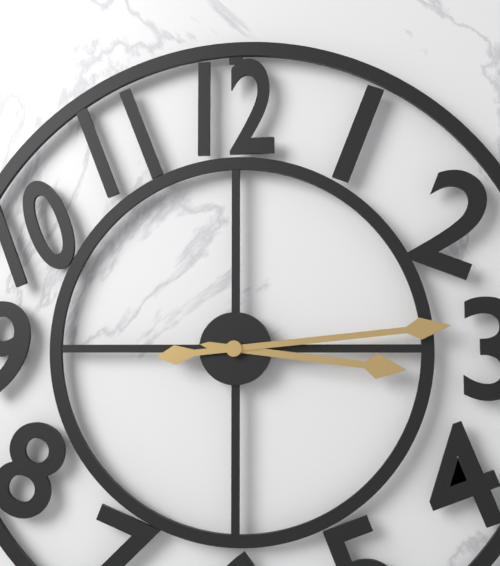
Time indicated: 3:14
